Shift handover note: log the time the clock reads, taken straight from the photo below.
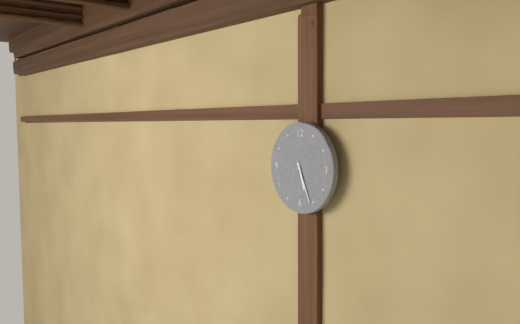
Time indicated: 5:26
